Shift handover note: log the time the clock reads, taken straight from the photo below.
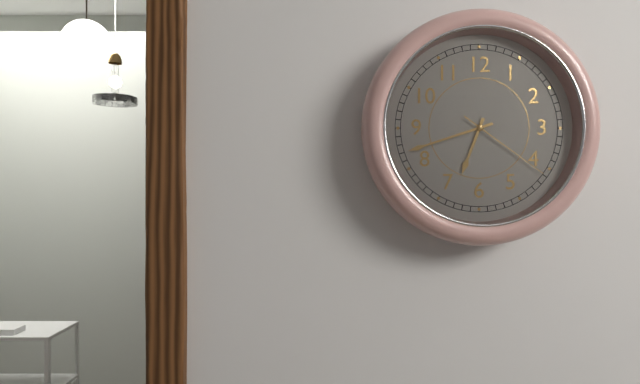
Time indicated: 6:42:21
